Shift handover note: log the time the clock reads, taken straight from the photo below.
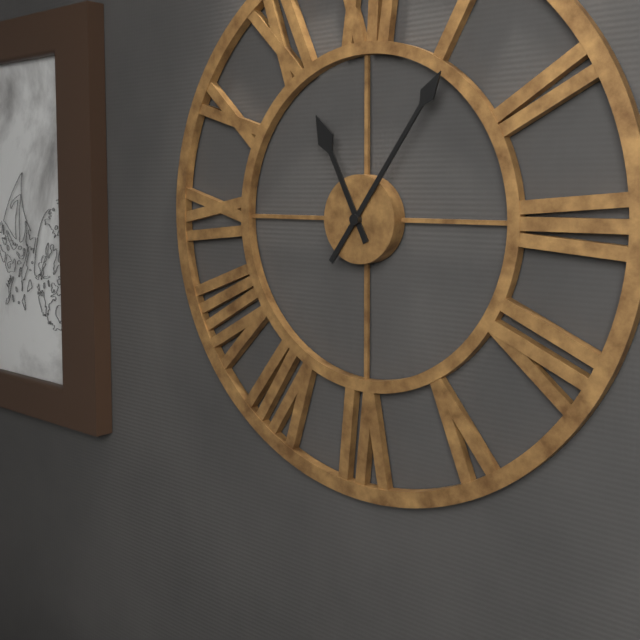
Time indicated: 11:06
